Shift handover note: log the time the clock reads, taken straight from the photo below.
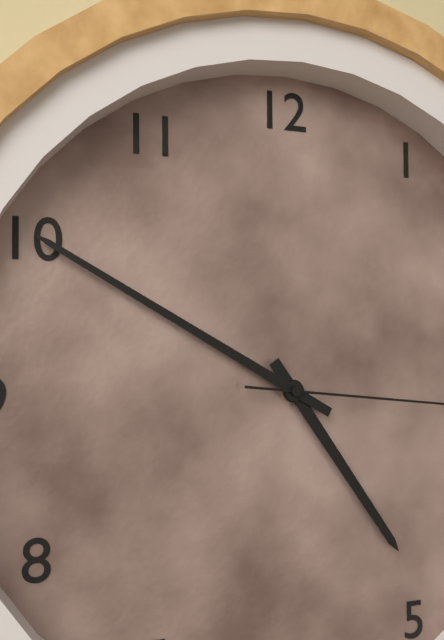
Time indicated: 4:50
